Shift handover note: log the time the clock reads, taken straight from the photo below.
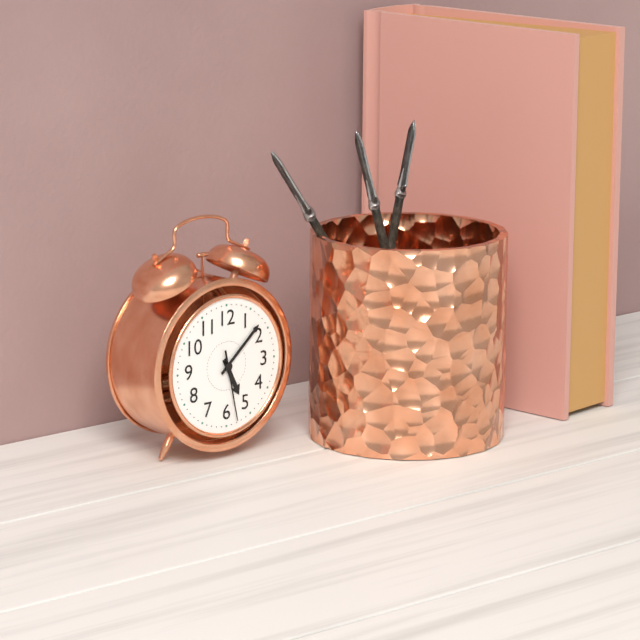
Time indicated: 5:08:28
